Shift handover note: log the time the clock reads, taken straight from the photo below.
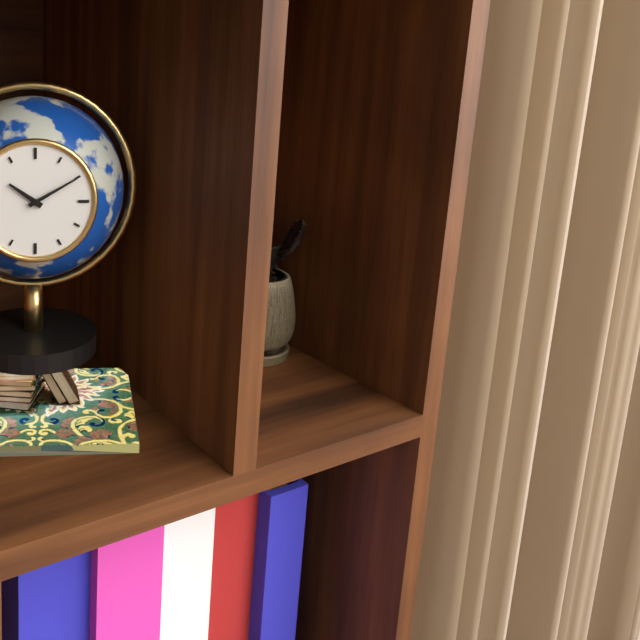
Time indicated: 10:10
